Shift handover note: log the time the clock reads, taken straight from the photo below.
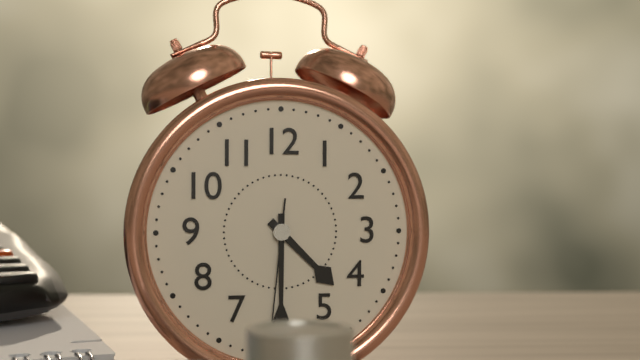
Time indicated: 4:30:31
